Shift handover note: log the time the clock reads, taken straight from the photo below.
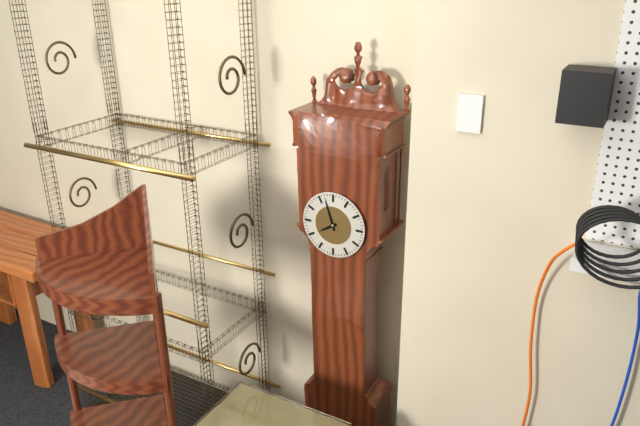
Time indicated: 7:57
